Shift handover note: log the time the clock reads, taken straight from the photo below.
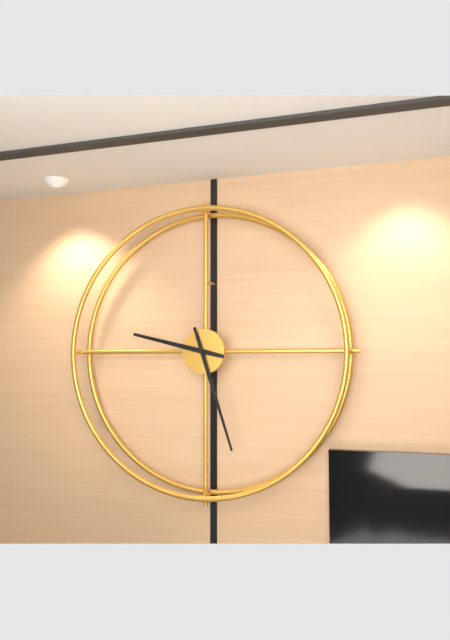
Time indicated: 9:27
